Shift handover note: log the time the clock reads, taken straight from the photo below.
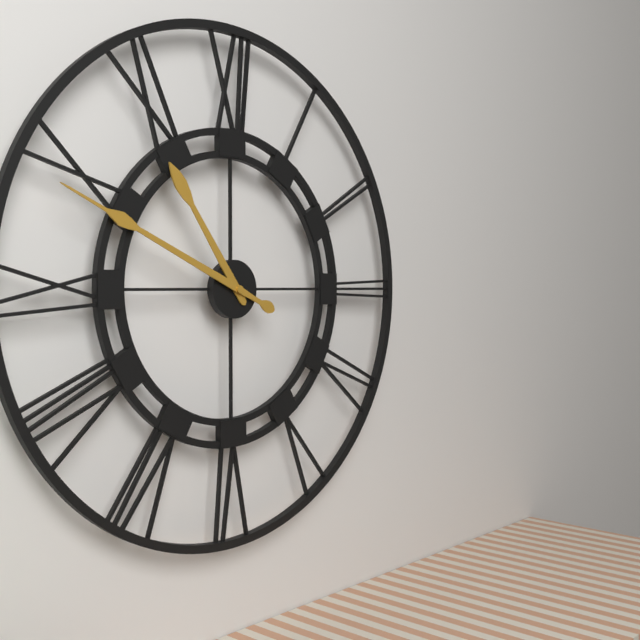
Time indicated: 10:49
